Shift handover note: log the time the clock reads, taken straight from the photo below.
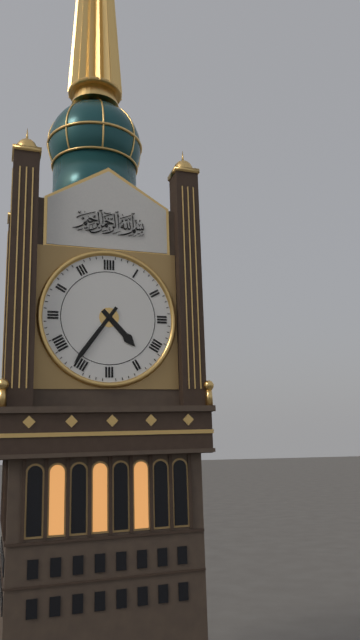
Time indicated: 4:36
